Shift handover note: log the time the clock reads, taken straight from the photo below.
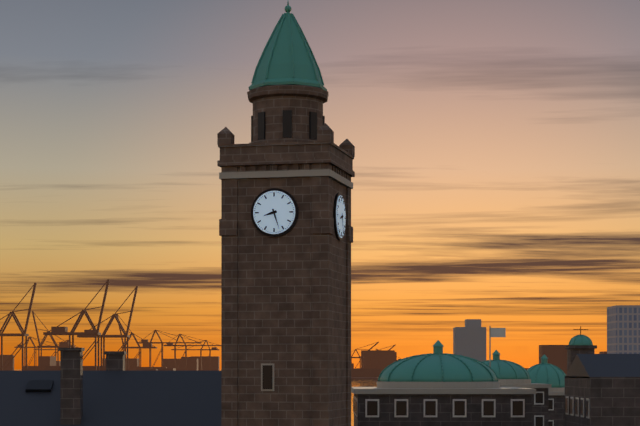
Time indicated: 8:27
